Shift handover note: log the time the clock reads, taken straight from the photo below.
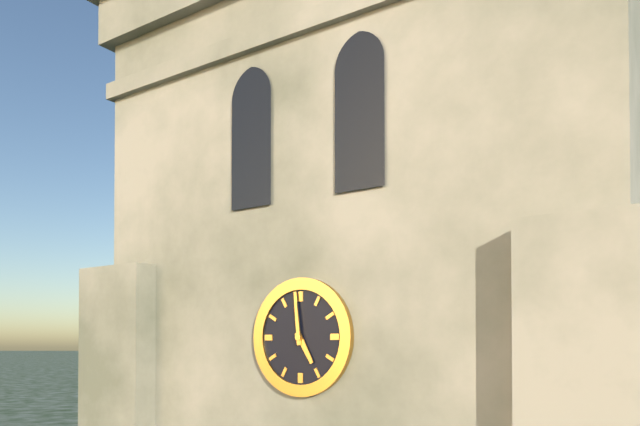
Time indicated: 4:59
